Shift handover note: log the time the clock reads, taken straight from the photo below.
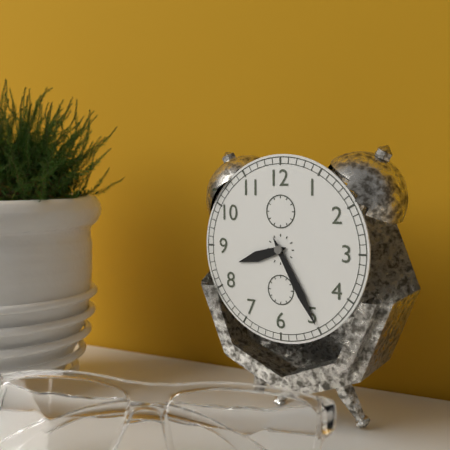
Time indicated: 8:25
